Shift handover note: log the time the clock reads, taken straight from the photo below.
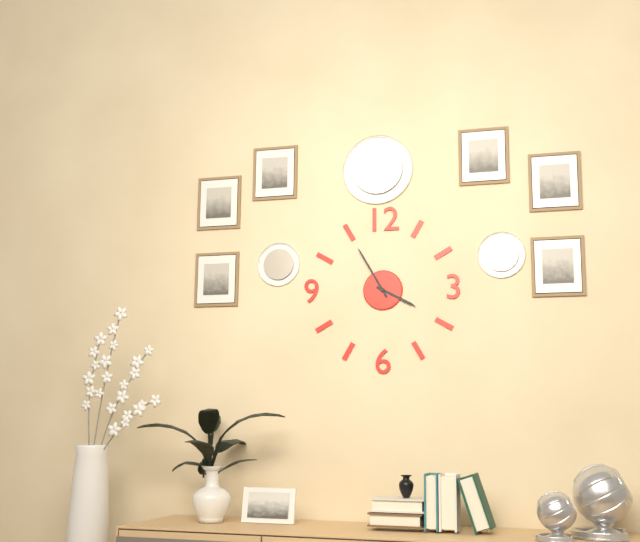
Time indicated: 3:55
